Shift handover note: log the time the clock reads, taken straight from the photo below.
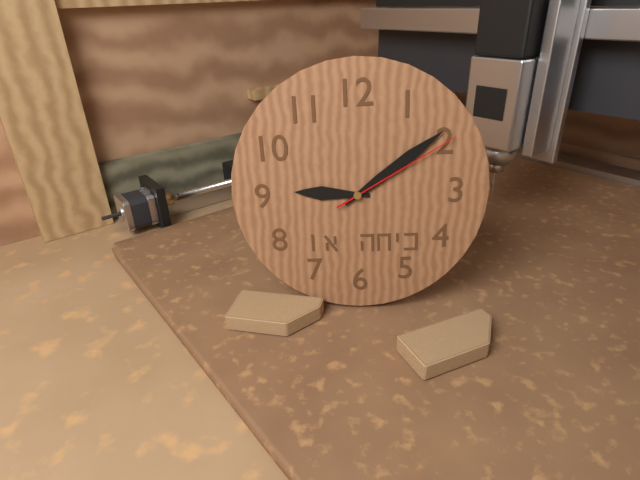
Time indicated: 9:09:10
